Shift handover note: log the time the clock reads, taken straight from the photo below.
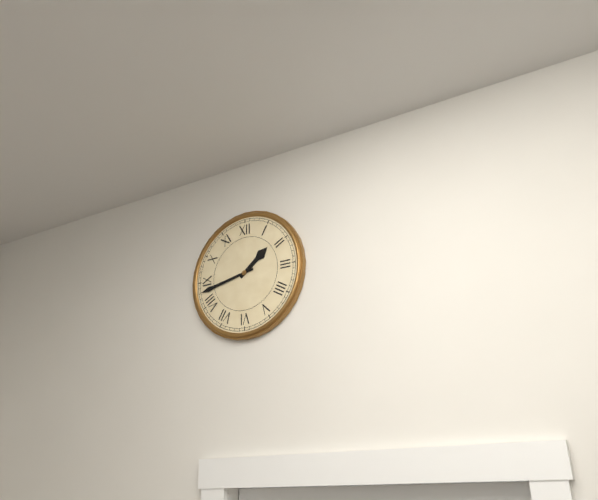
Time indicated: 1:43
